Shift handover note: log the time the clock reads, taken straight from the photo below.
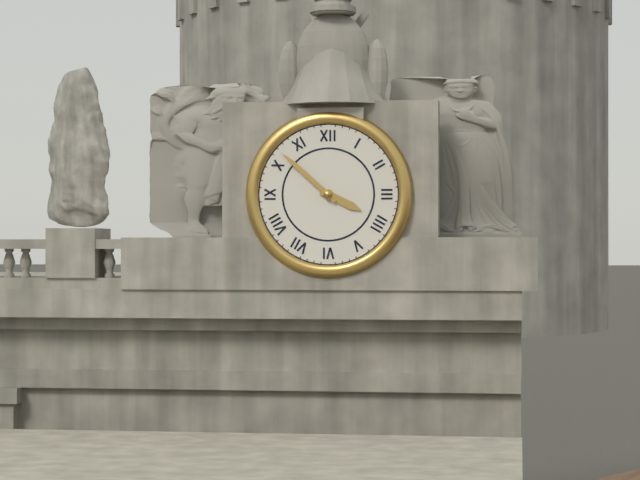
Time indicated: 3:52
